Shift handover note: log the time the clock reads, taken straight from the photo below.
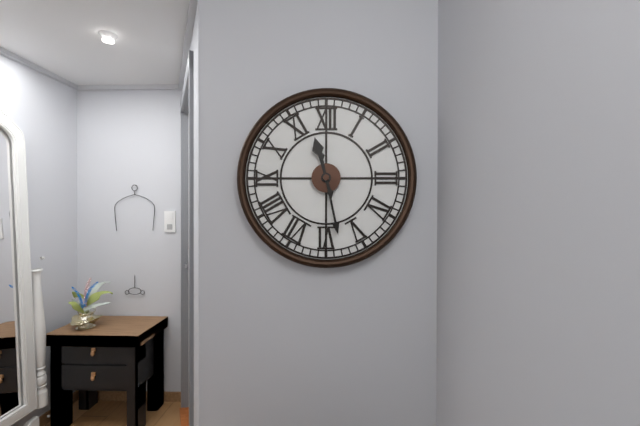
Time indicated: 11:28
